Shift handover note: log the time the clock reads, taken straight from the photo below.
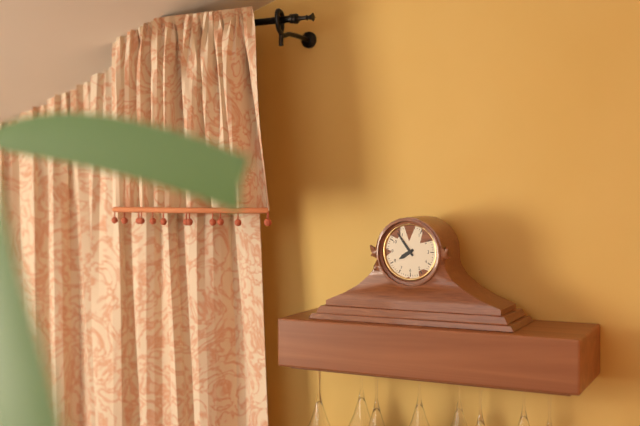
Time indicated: 7:54
